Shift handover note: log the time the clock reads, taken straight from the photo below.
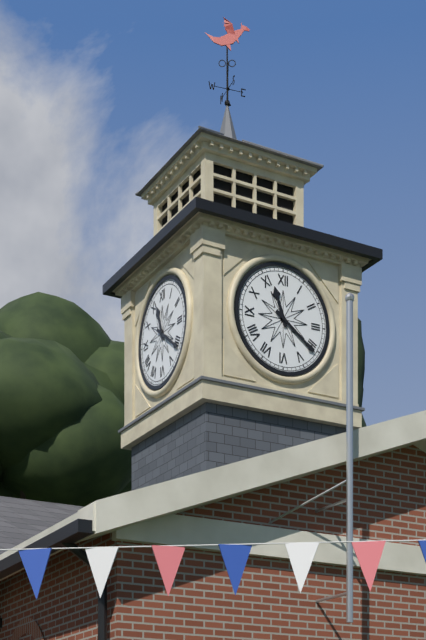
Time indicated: 11:21
